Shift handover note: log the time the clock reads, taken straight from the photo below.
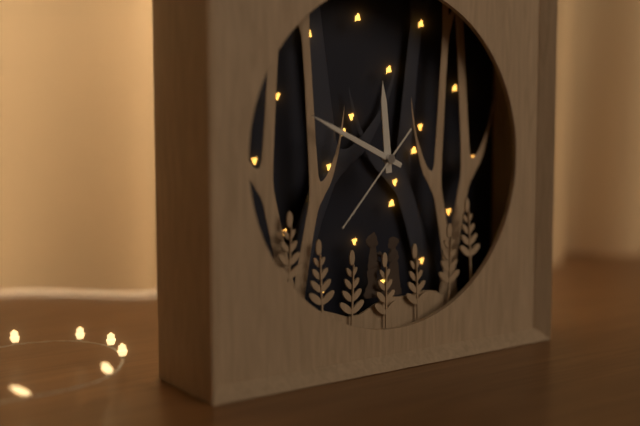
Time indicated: 11:49:37
